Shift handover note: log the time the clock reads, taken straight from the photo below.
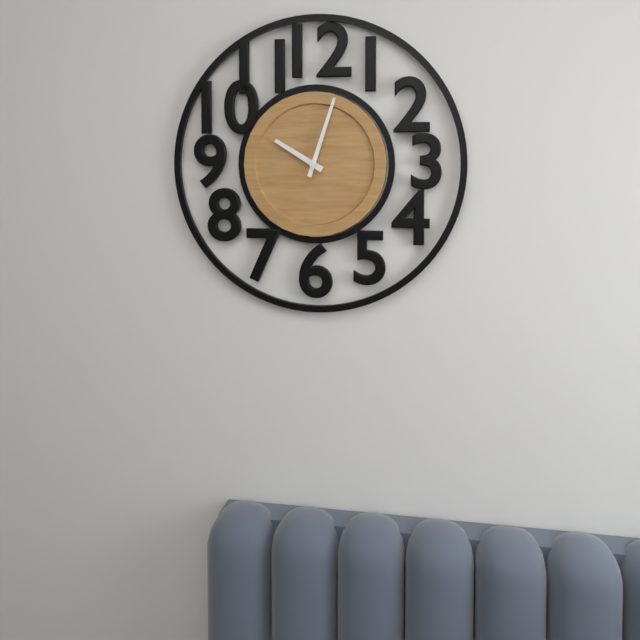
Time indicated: 10:03
